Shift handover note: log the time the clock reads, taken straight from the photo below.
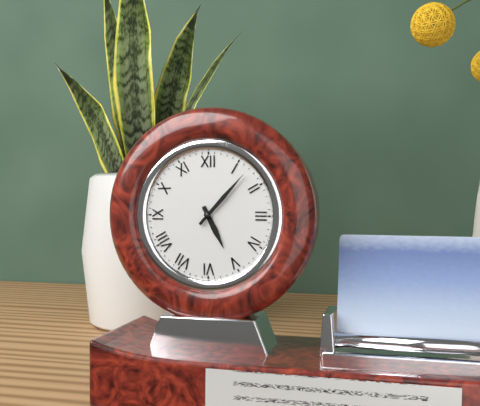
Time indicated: 5:07
